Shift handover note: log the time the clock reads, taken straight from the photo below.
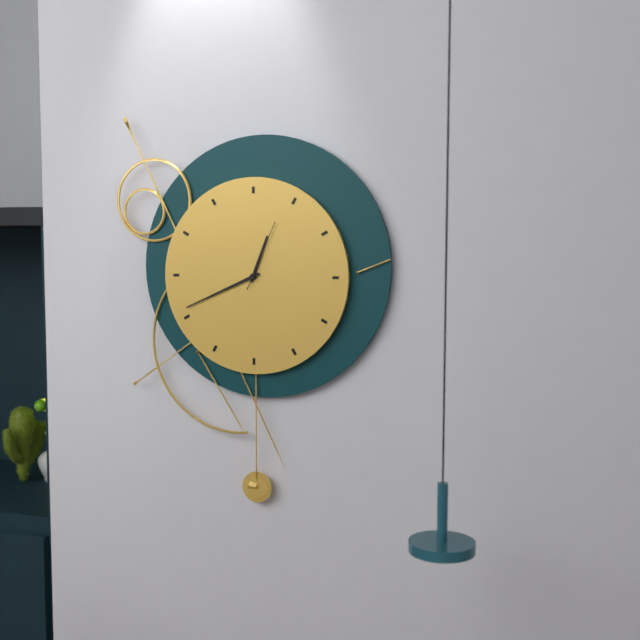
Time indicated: 12:41:04
